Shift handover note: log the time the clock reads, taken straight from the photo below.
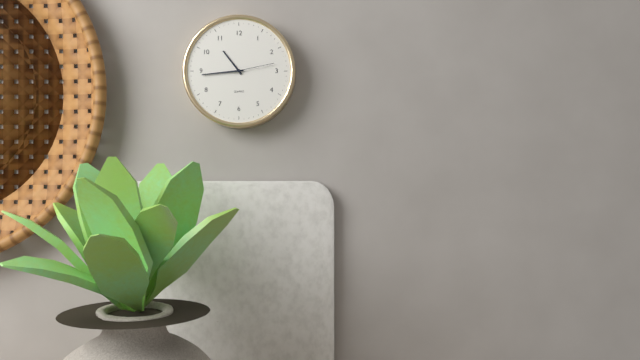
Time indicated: 10:44
